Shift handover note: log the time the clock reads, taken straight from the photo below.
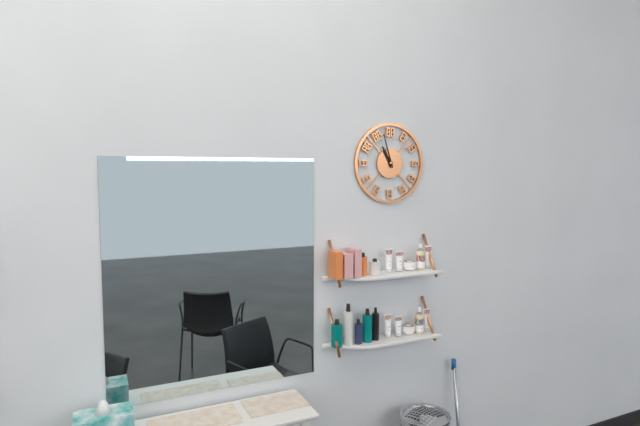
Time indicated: 10:57
